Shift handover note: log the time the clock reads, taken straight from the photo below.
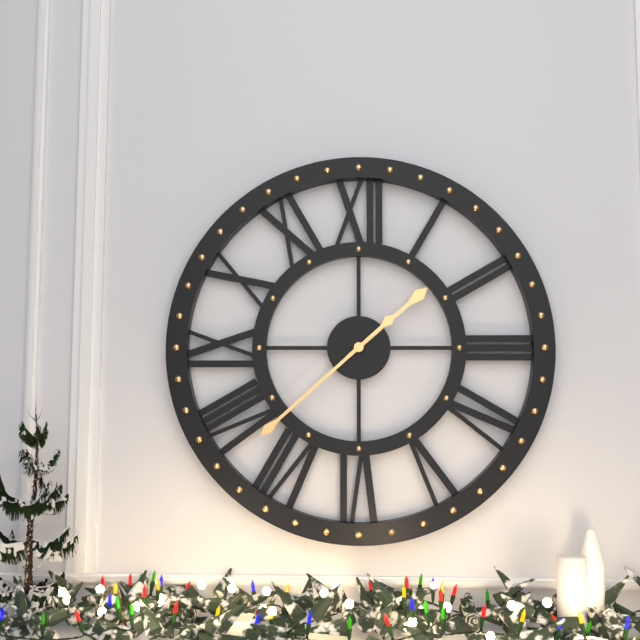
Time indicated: 1:38
